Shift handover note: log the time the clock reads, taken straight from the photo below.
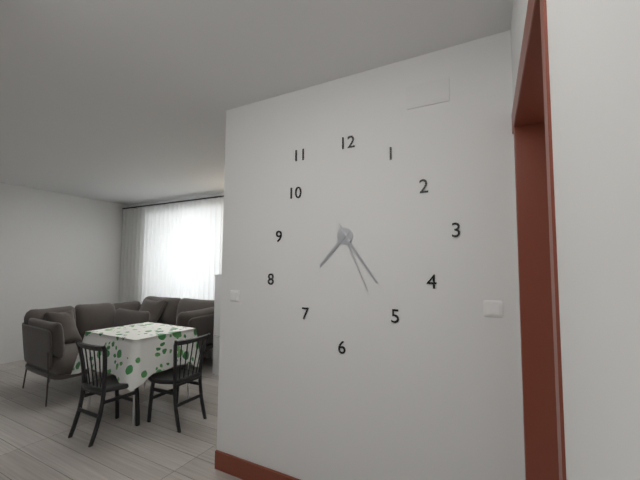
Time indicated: 7:24:26
